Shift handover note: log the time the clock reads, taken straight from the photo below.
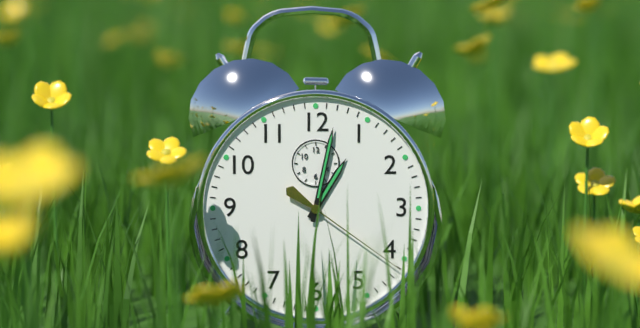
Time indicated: 1:02:21
